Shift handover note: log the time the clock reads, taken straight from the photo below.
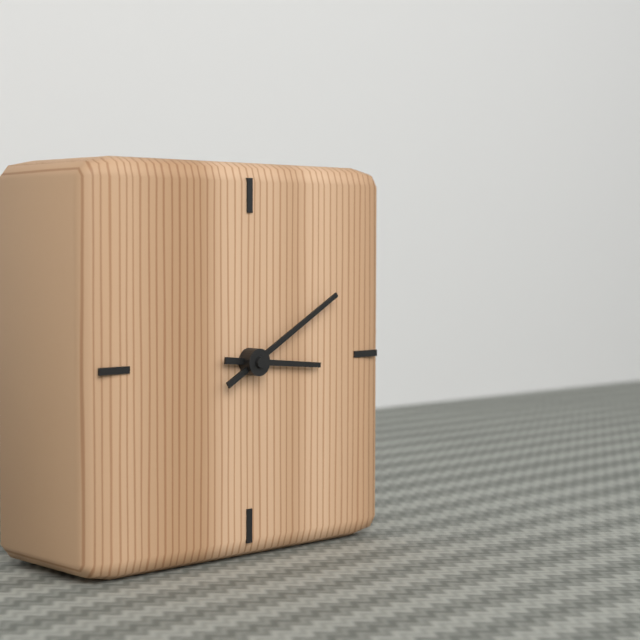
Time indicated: 3:10
